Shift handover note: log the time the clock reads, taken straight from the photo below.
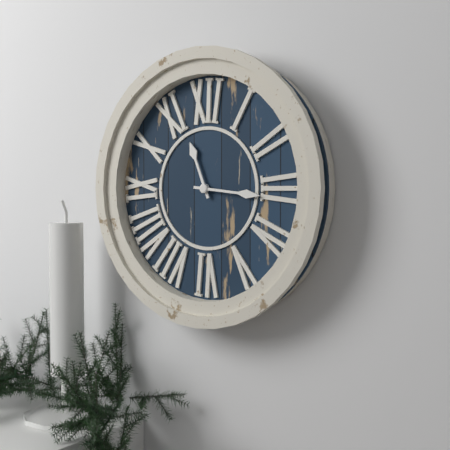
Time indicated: 11:16
